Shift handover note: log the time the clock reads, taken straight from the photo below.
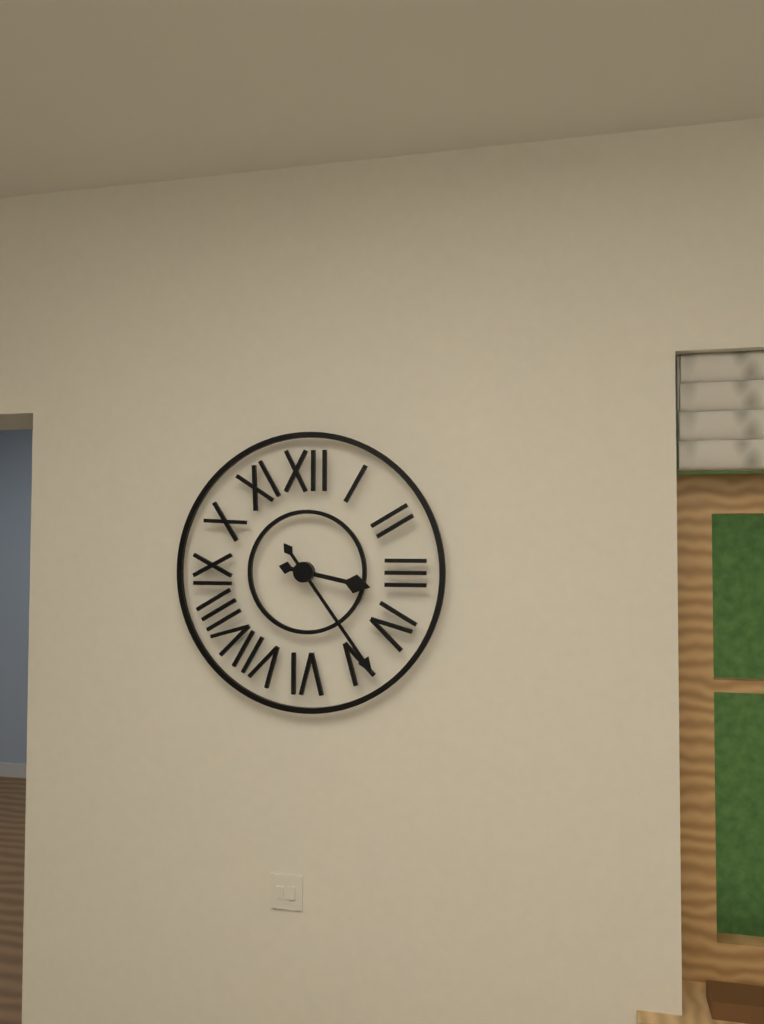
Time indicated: 3:24
